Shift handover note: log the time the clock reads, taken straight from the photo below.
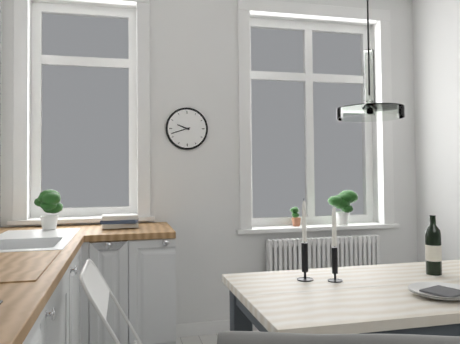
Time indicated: 9:42
